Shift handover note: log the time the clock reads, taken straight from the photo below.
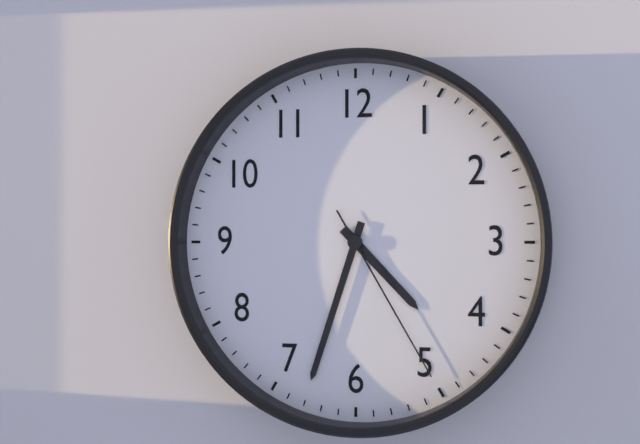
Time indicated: 4:33:25
